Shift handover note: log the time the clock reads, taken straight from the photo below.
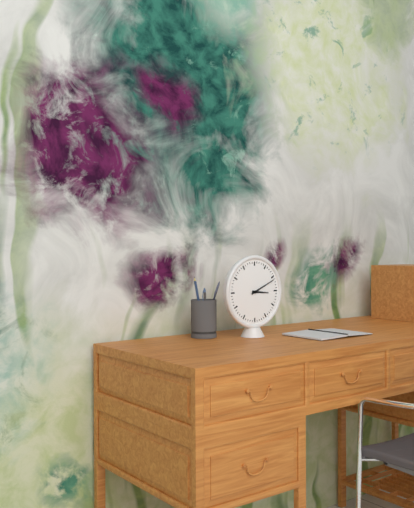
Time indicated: 3:11
